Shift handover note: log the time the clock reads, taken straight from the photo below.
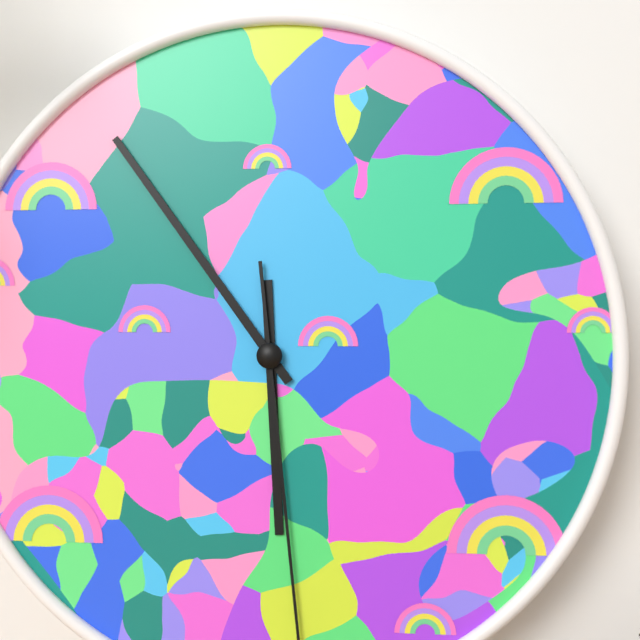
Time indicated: 5:54
